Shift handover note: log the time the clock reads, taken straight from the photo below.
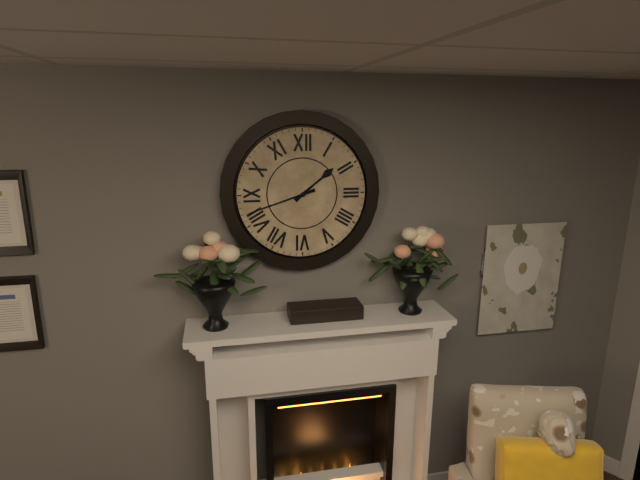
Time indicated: 1:42
